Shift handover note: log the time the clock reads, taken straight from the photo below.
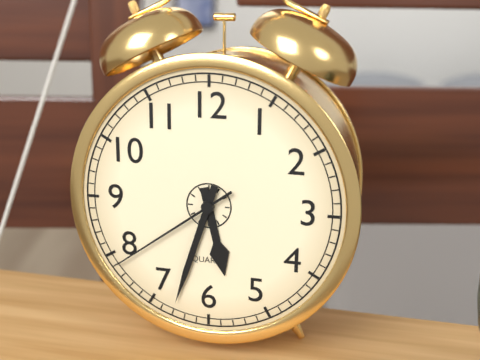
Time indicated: 5:33:39
